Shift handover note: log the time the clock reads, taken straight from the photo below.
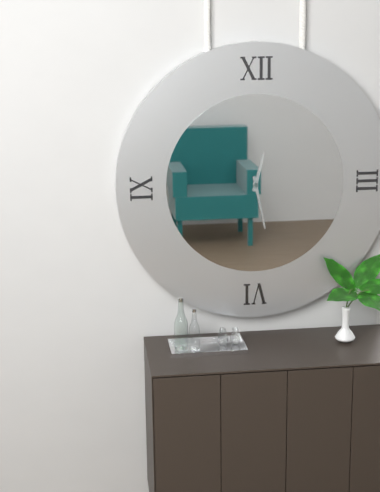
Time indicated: 12:28
